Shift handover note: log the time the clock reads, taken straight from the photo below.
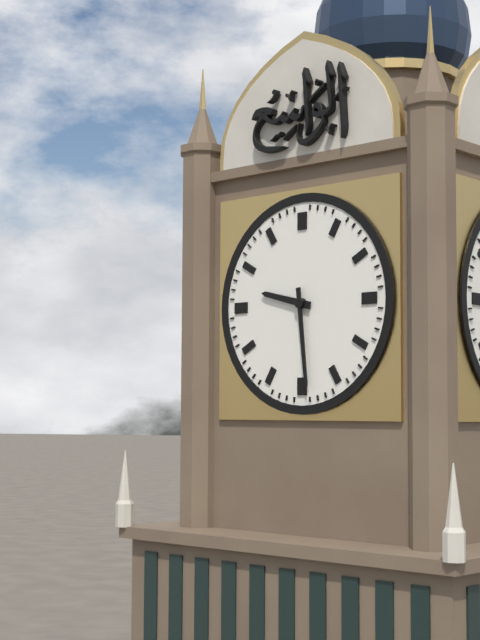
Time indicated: 9:29
